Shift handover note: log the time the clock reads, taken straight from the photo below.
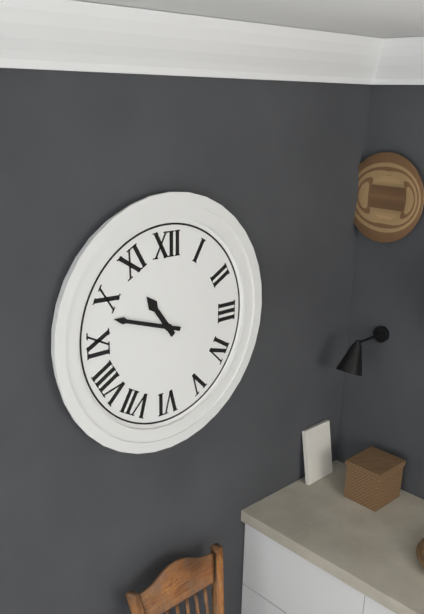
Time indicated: 10:48
